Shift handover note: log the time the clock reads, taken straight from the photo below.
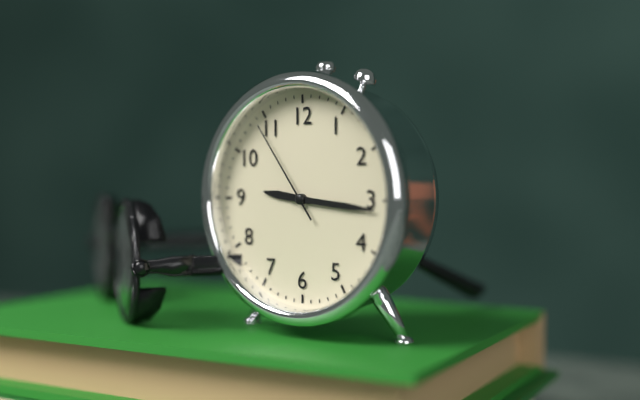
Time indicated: 9:16:54
